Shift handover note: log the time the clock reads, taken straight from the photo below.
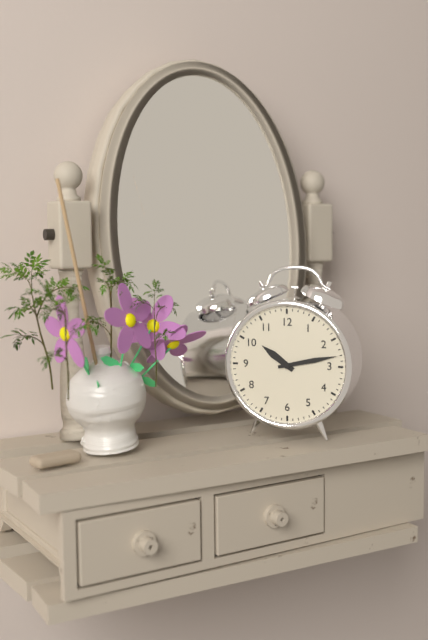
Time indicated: 10:13
